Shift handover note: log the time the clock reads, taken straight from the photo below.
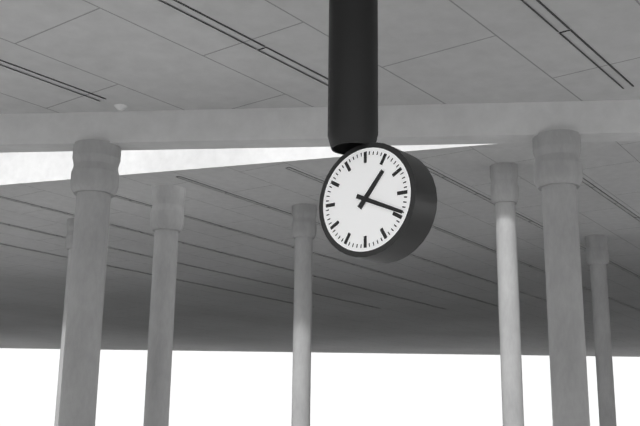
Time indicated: 1:19
